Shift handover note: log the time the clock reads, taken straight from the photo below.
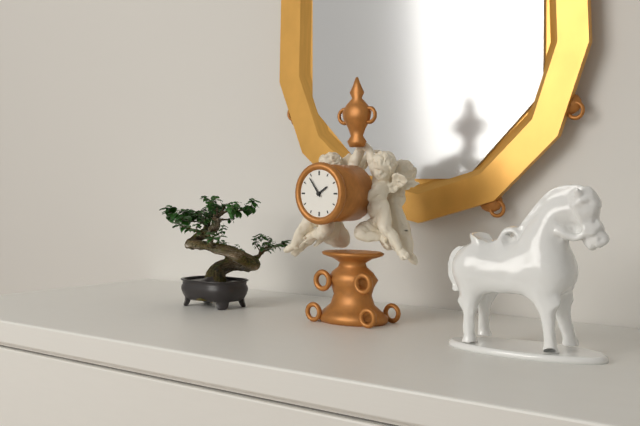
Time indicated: 1:54
